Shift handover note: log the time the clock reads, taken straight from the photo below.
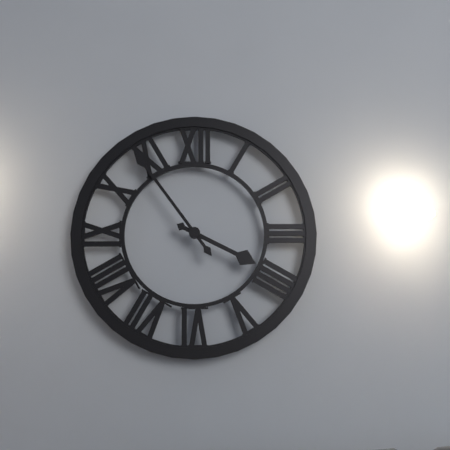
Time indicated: 3:54
